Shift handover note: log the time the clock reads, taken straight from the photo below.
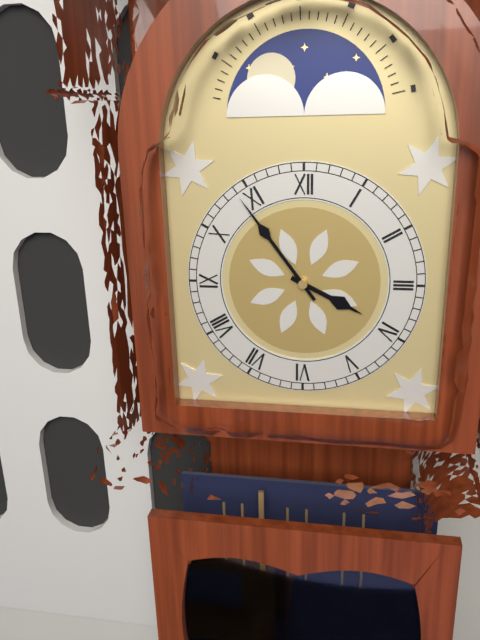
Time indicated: 3:54
